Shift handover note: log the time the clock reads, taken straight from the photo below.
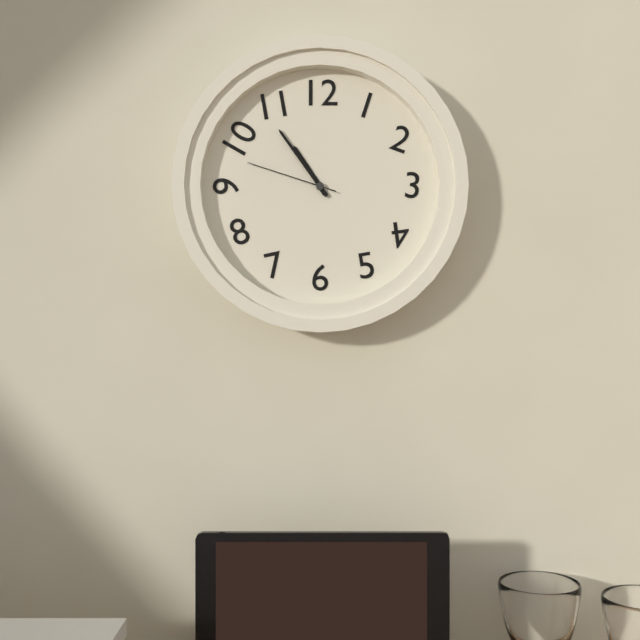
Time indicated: 10:54:48
